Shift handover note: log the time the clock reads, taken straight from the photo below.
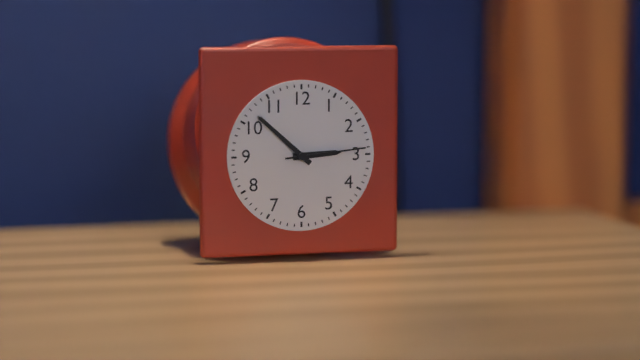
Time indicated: 2:52:14
